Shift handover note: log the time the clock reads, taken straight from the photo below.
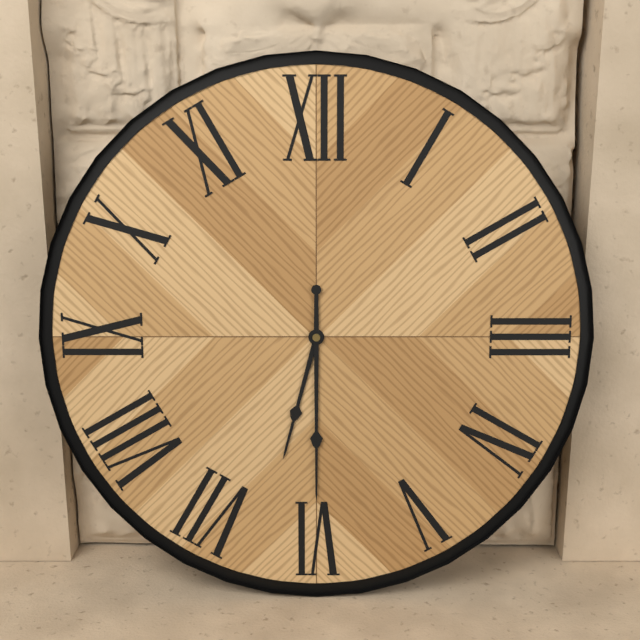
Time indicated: 6:30
